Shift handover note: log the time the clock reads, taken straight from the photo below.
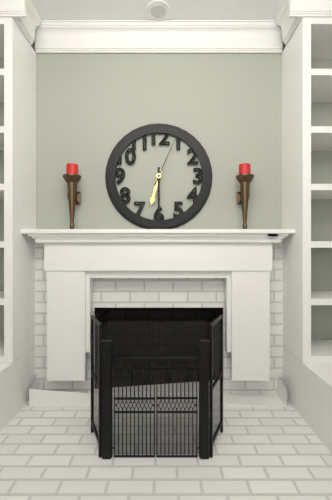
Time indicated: 6:30:04
